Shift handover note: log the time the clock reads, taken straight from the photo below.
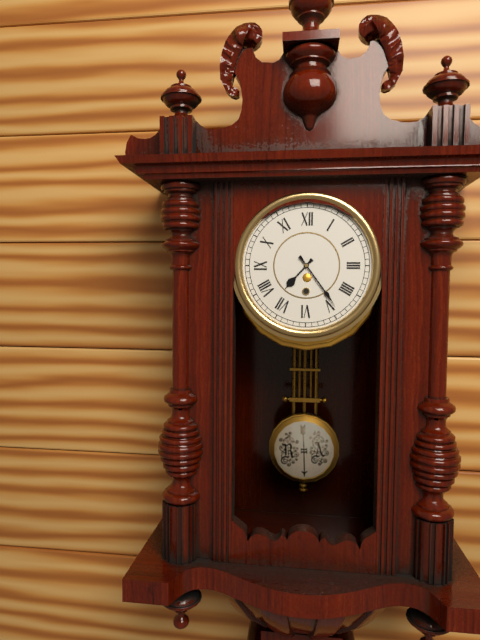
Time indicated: 7:24
